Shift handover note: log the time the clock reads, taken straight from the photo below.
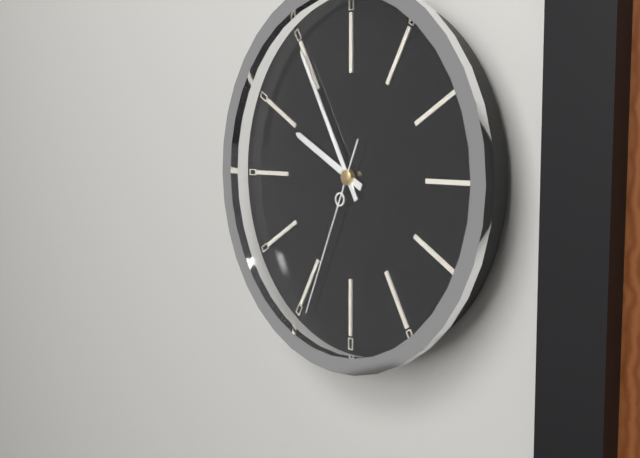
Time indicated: 9:55:34
